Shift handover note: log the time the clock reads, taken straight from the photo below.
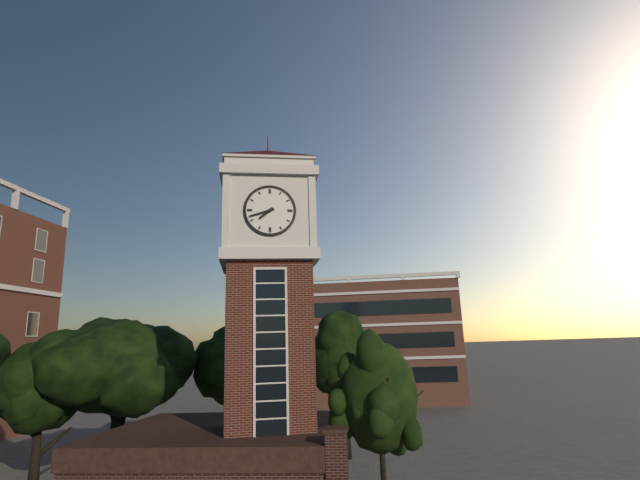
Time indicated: 7:42
